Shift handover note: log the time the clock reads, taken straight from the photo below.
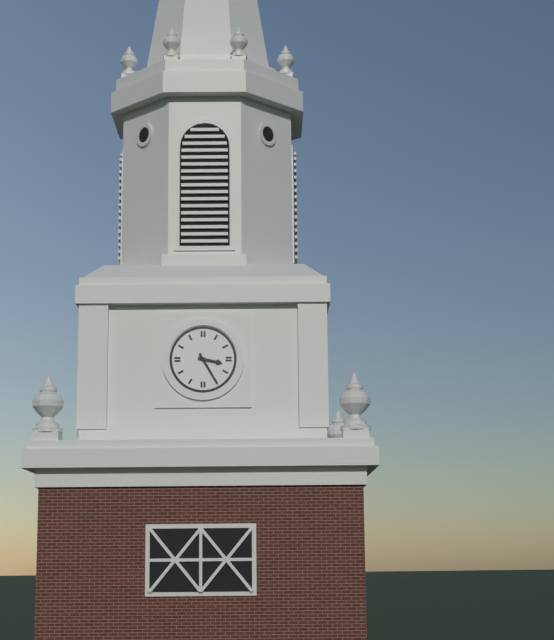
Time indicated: 3:25
